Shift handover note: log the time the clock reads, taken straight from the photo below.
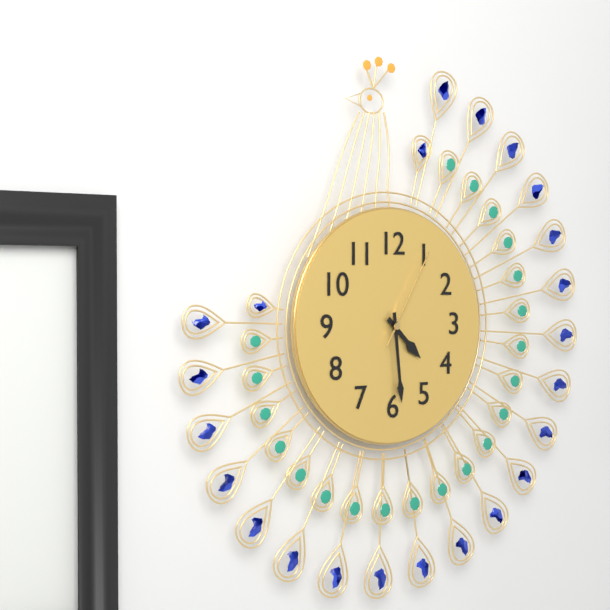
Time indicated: 4:29:05
